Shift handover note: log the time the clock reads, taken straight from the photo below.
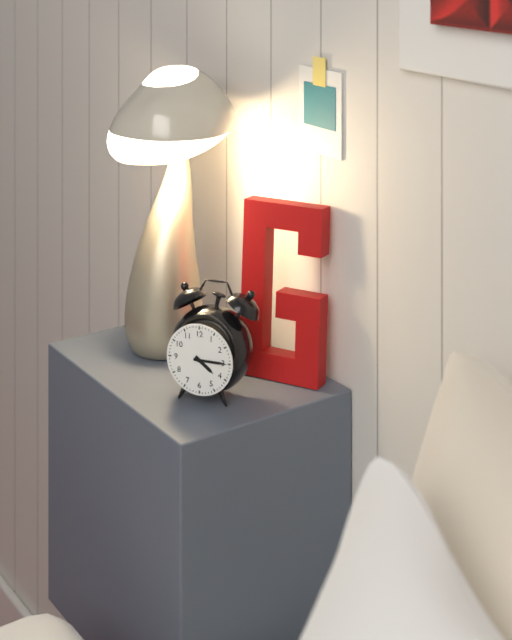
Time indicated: 4:15
